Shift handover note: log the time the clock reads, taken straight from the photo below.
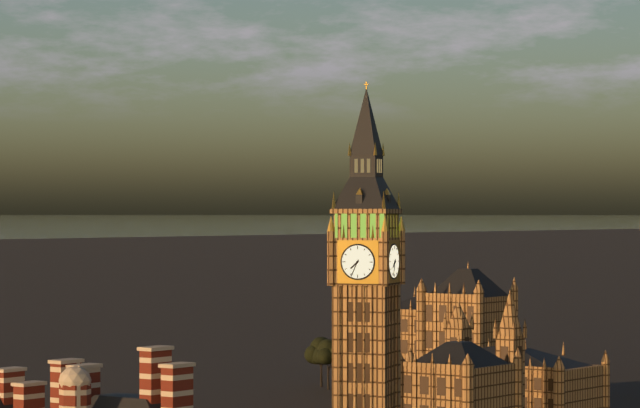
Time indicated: 7:34
